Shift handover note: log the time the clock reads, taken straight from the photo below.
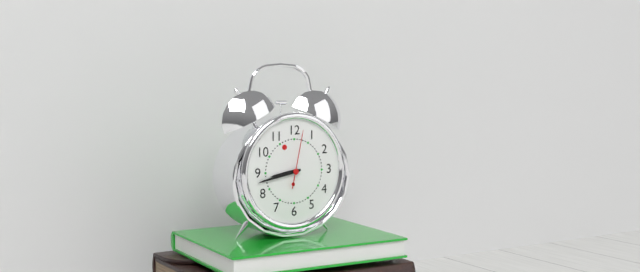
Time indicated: 8:43:02
